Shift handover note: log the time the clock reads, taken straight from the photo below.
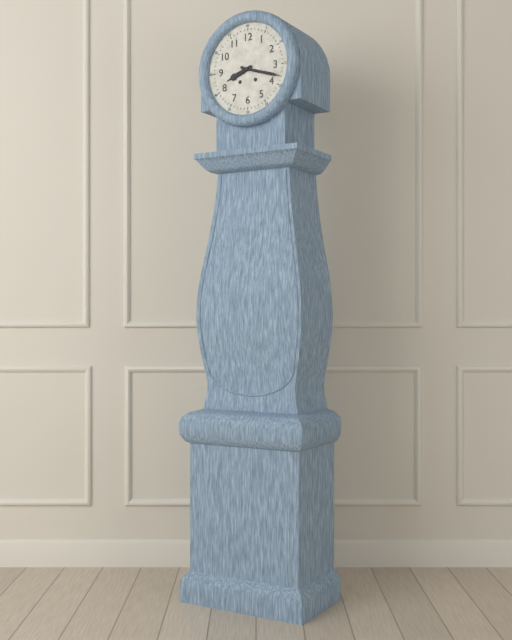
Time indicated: 8:18
